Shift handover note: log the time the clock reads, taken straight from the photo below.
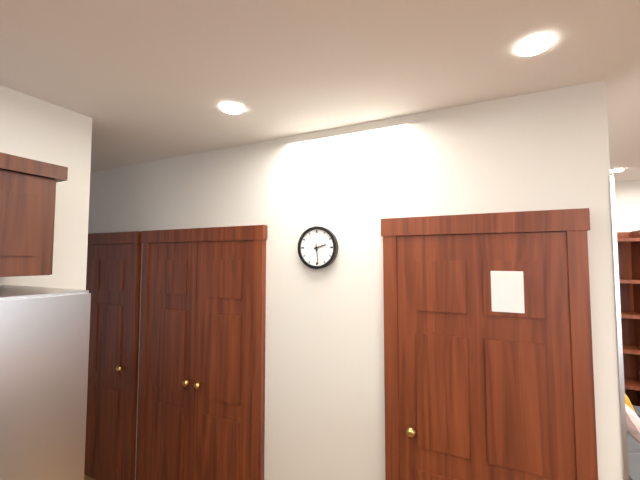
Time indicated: 2:29
